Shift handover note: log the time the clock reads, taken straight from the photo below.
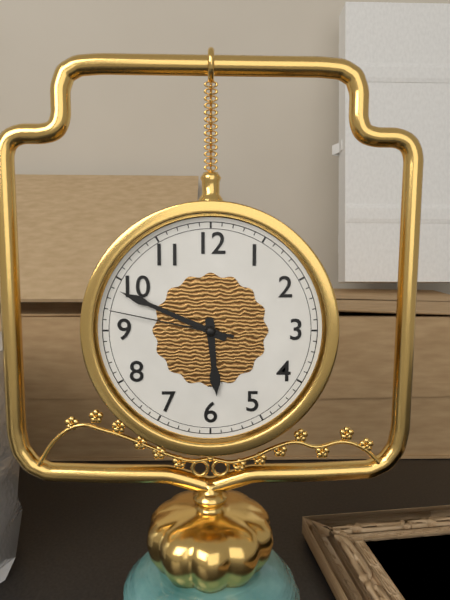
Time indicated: 5:49:47
